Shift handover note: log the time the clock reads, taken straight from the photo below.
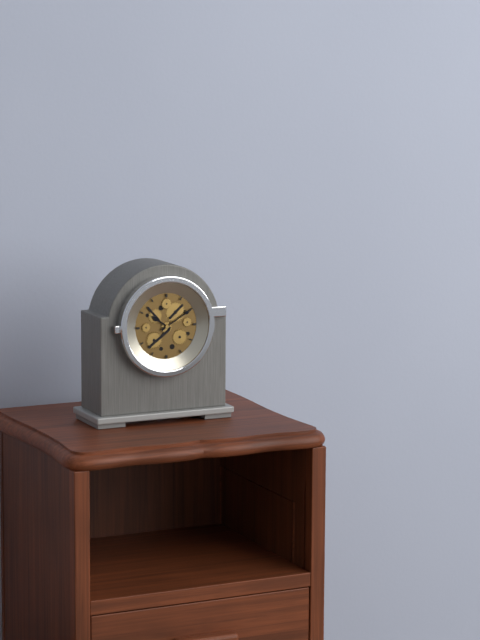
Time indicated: 10:10
